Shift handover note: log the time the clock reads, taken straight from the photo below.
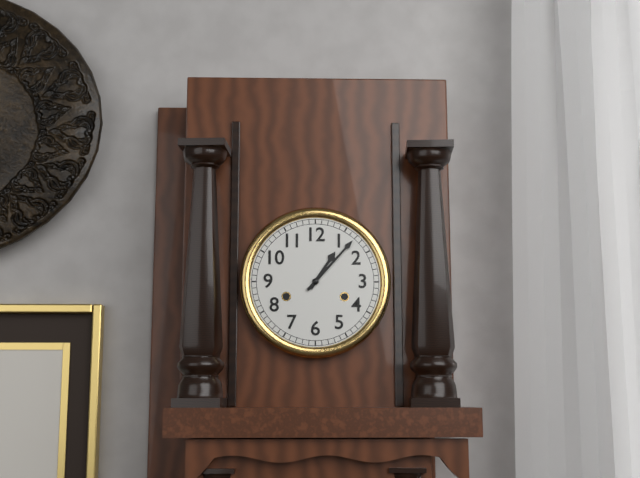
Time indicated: 1:07
